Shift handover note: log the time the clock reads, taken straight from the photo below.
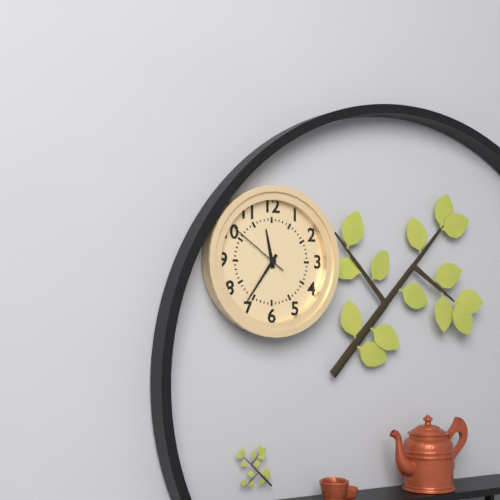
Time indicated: 11:36:51
